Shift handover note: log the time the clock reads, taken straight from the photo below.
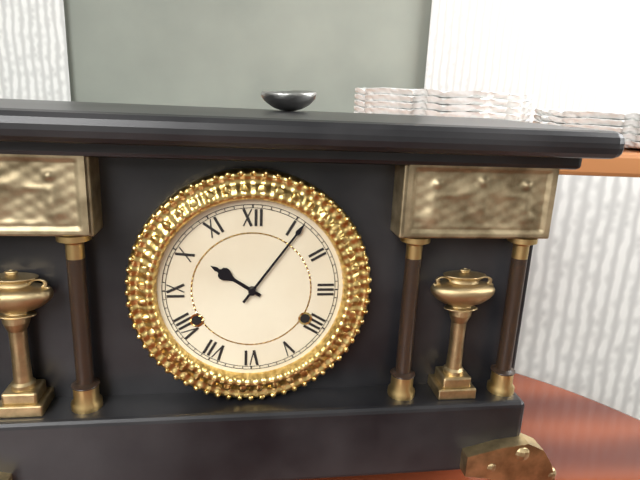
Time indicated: 10:06
